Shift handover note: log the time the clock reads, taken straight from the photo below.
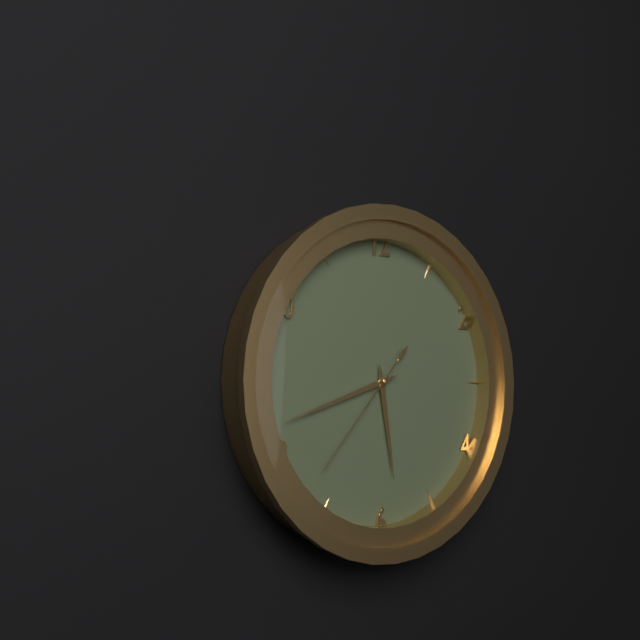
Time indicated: 5:42:37
